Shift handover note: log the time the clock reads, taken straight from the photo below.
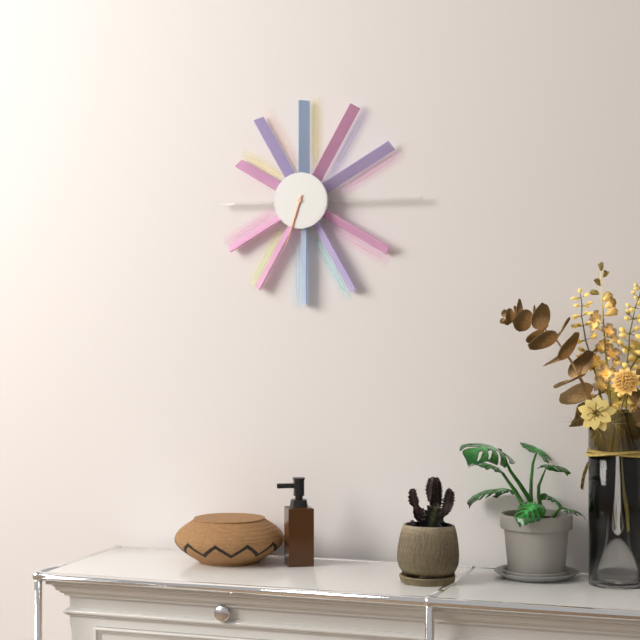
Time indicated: 6:33
